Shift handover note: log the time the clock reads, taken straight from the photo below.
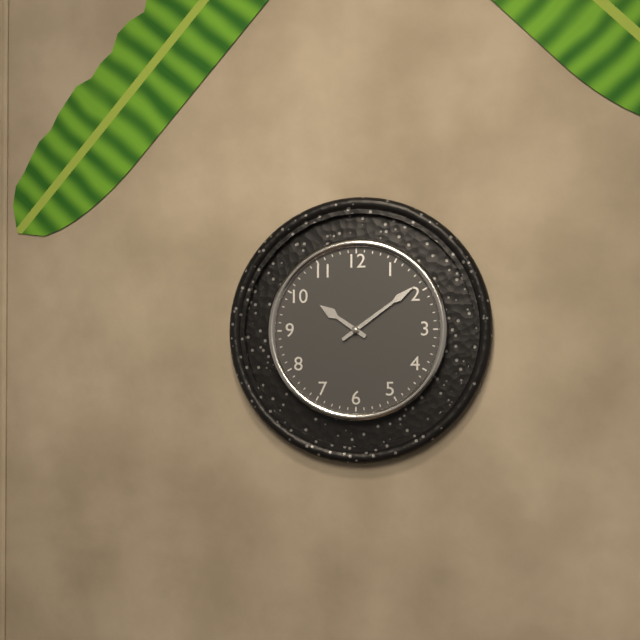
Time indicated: 10:09
